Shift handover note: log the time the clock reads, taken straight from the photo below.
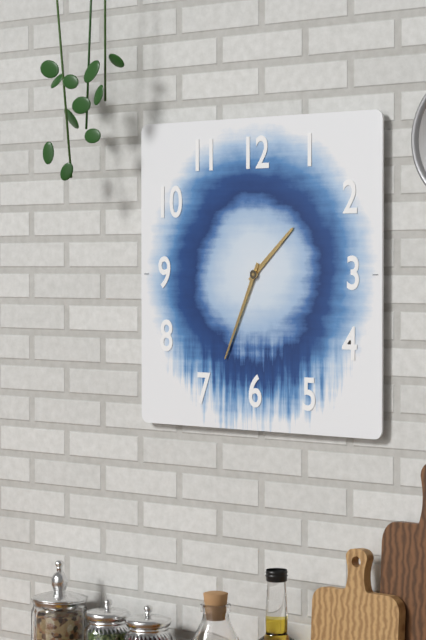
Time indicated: 1:34
